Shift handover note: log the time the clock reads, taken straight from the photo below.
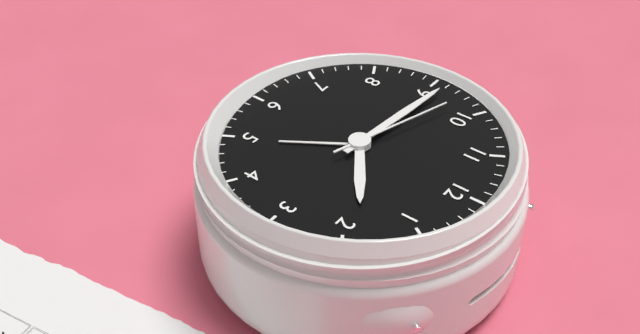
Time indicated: 1:46:48
